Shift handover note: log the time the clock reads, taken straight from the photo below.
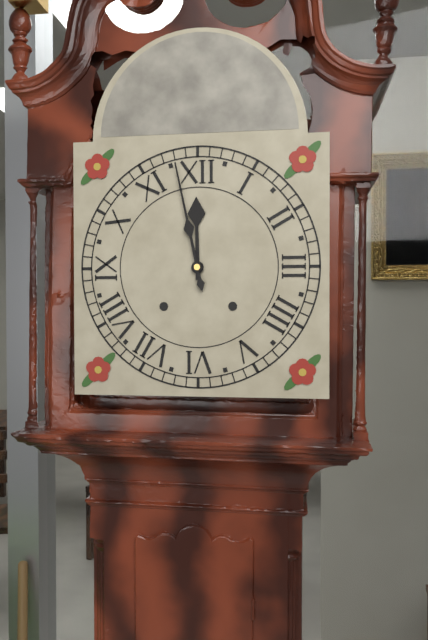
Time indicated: 11:58
